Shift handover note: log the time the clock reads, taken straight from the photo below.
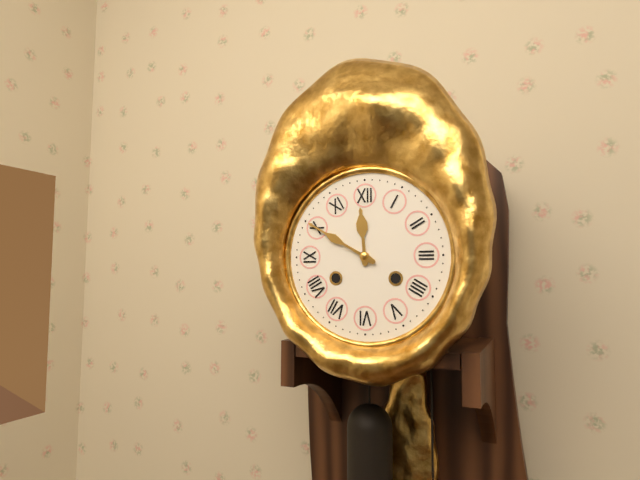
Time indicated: 11:50
